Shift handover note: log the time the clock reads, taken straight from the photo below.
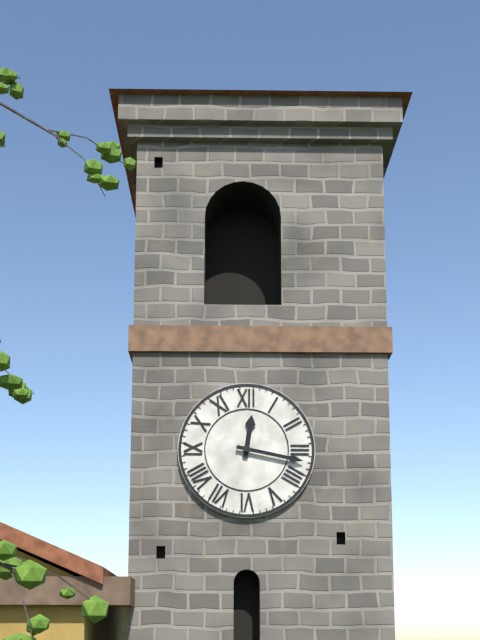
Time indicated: 12:17
